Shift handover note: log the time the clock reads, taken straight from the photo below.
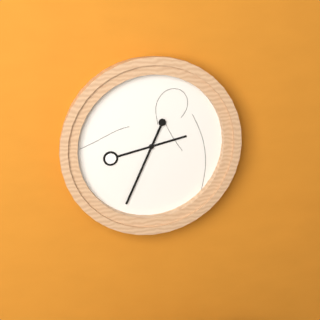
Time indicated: 2:34
